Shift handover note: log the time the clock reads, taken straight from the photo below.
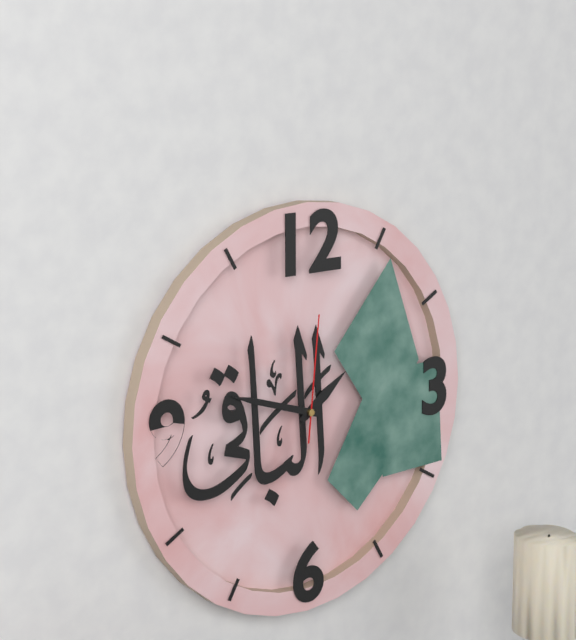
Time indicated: 1:48:01
